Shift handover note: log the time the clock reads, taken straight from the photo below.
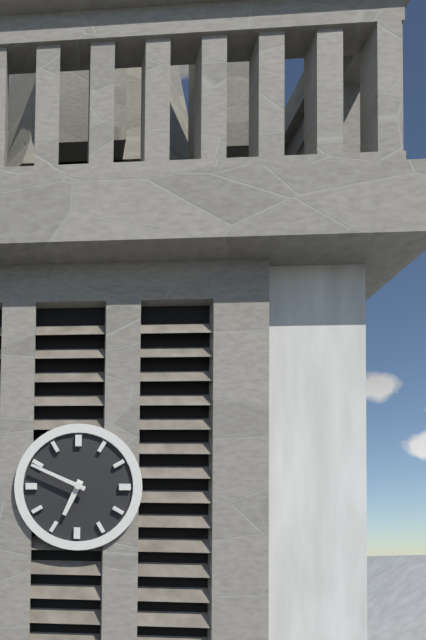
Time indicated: 6:49
